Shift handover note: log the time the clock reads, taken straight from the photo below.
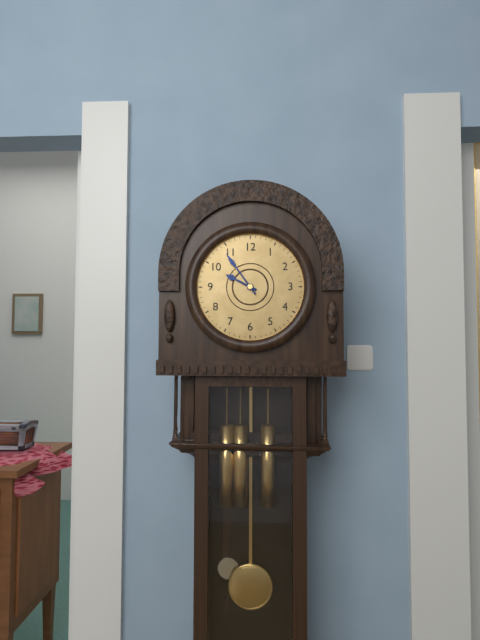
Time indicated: 9:54
